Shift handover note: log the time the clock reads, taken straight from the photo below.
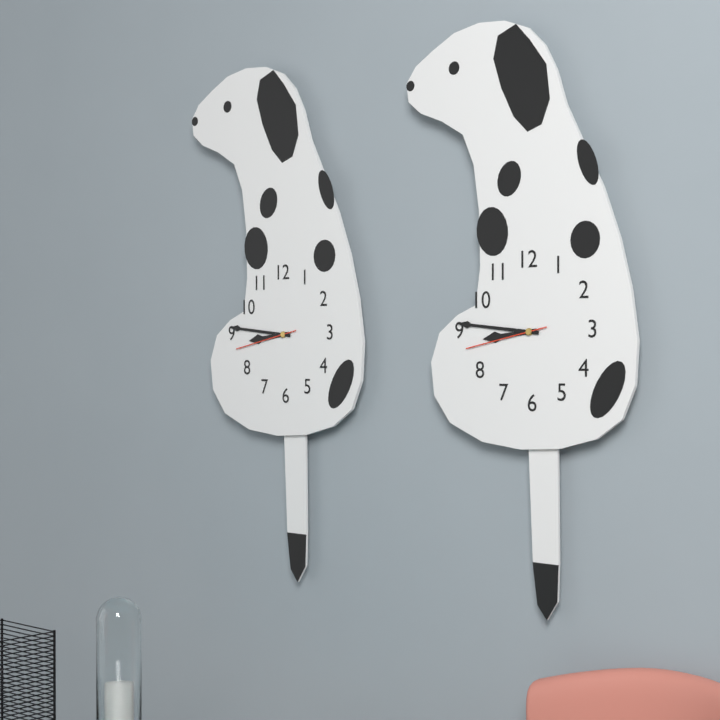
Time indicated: 8:46:43
